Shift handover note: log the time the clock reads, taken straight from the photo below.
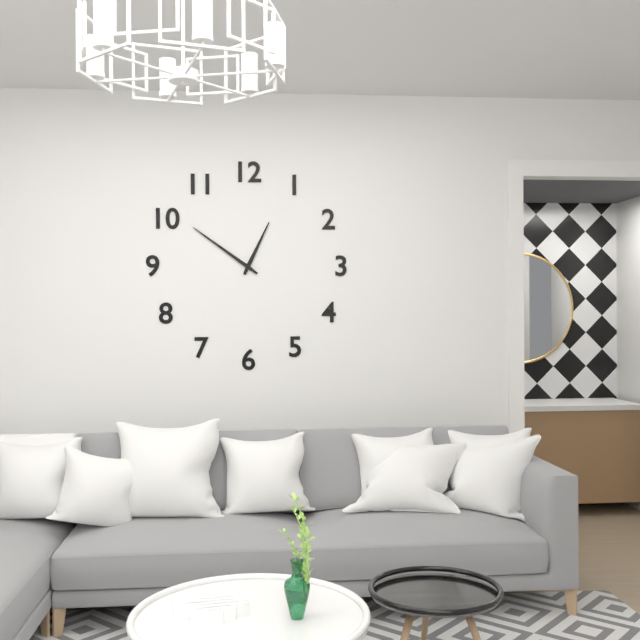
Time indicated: 12:51
